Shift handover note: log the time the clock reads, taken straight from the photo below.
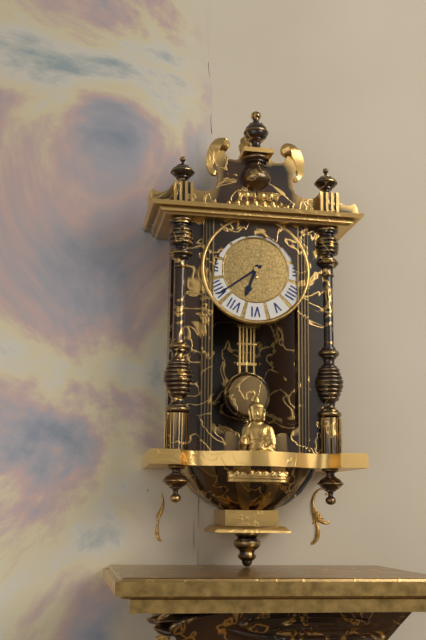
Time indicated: 6:39
